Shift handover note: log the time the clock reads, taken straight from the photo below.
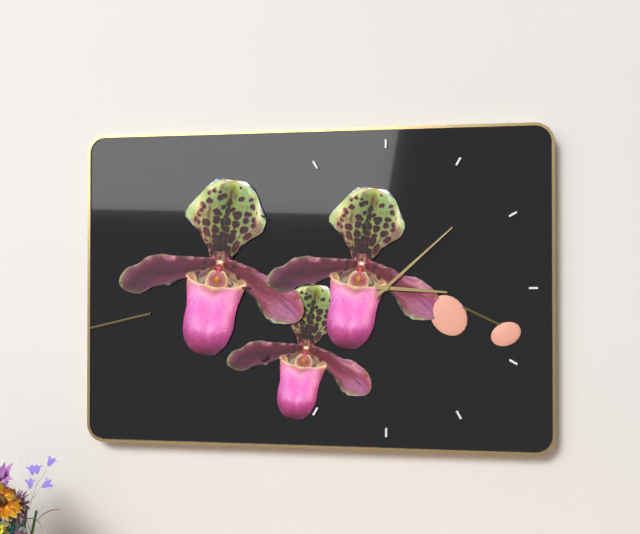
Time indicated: 3:08
